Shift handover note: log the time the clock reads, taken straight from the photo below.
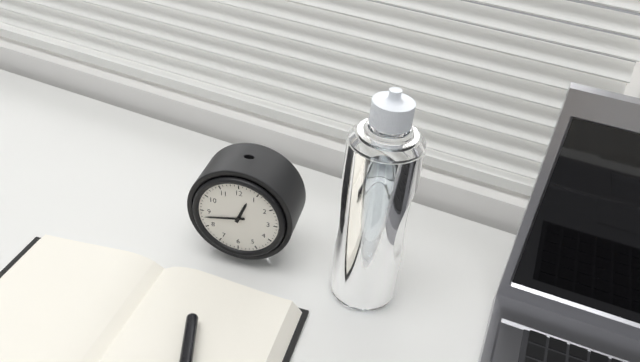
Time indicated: 12:43
